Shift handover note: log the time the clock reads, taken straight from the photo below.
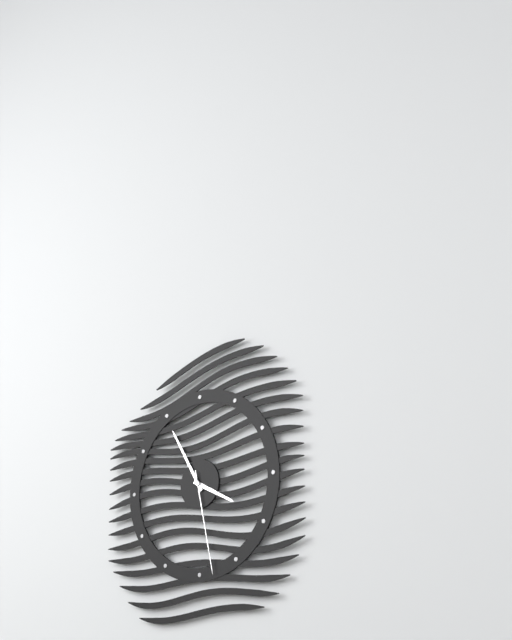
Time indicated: 3:55:28
